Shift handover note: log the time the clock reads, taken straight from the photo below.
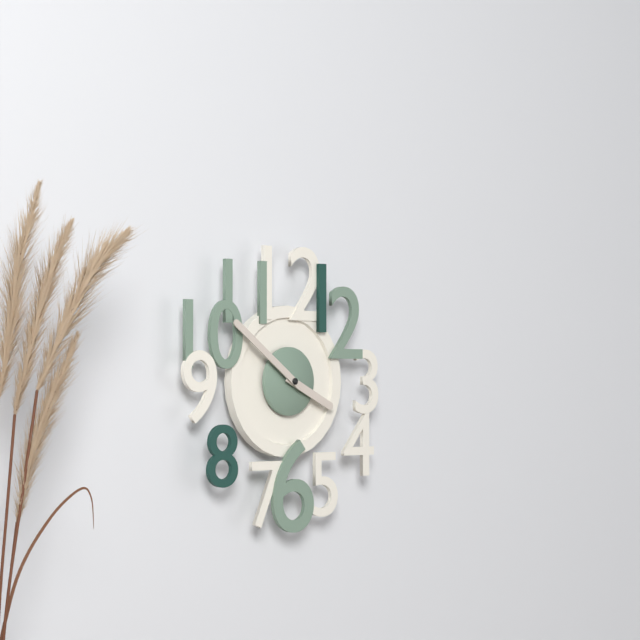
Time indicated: 3:51
